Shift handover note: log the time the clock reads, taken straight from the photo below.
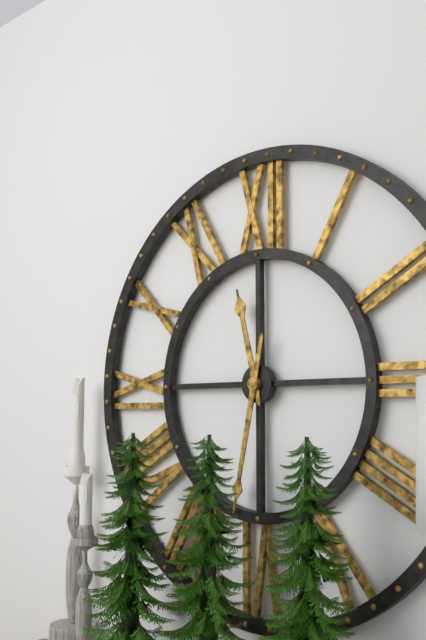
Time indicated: 11:32
